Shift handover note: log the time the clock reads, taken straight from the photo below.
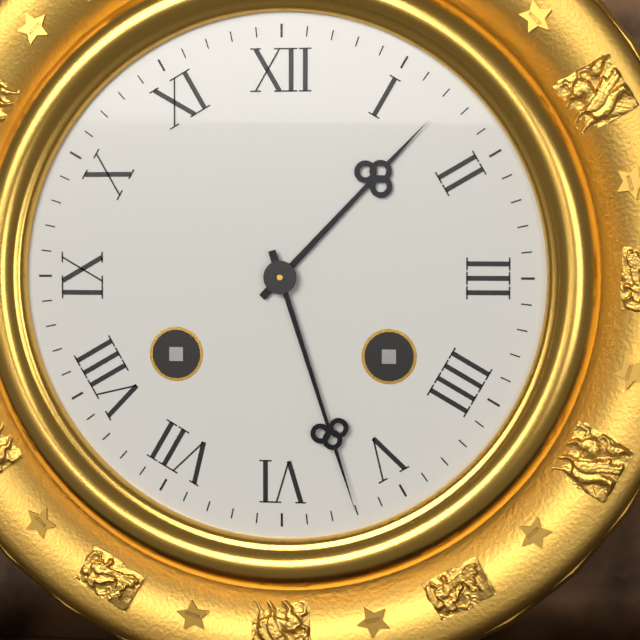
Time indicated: 1:27
